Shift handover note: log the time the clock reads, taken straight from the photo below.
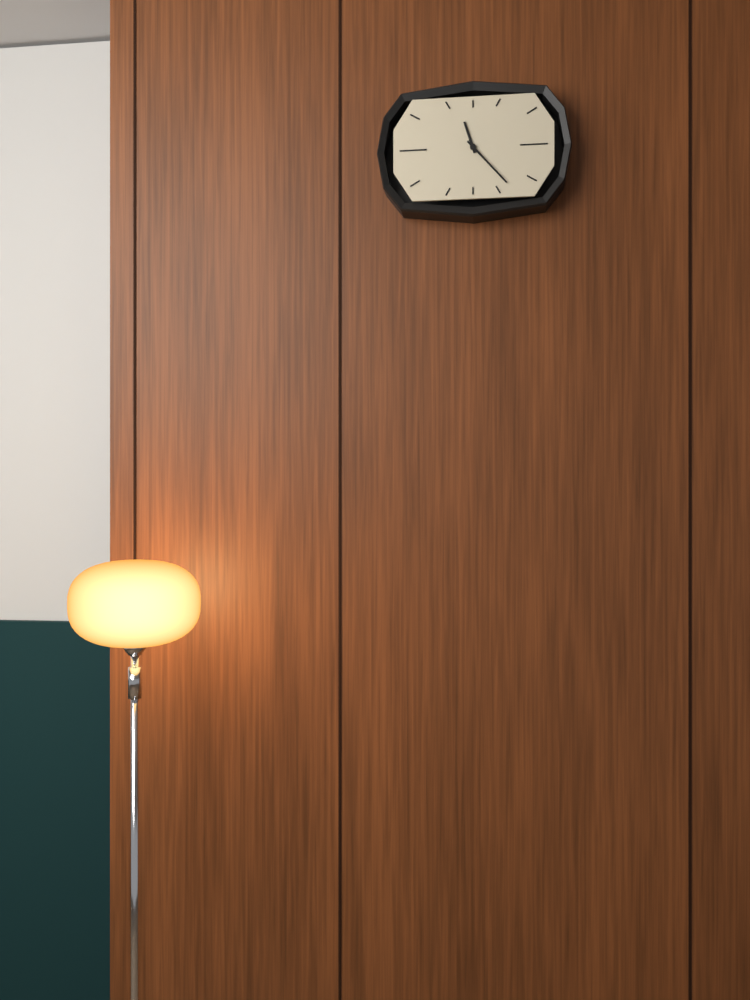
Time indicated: 11:23
